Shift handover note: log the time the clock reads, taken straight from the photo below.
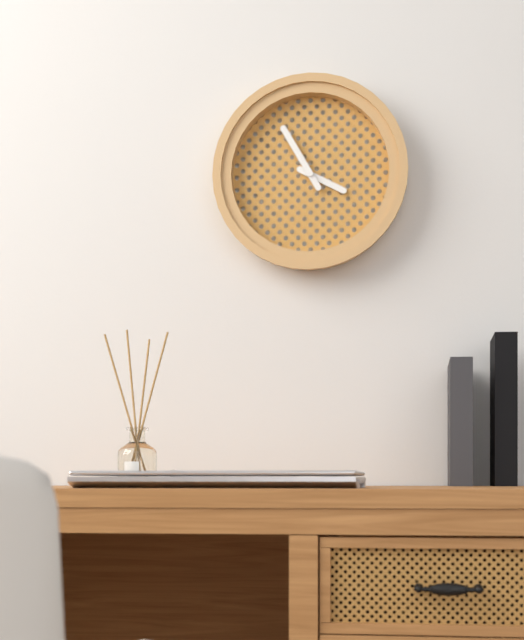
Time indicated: 3:55
